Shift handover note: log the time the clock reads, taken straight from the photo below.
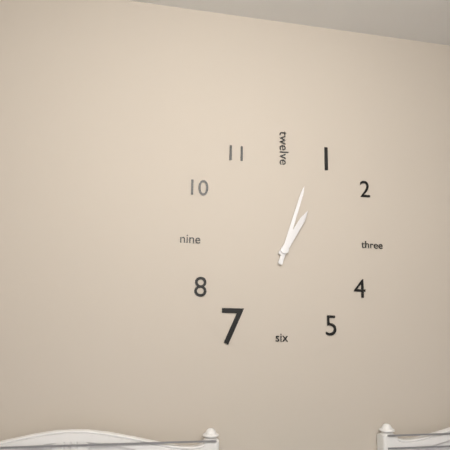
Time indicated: 1:03
